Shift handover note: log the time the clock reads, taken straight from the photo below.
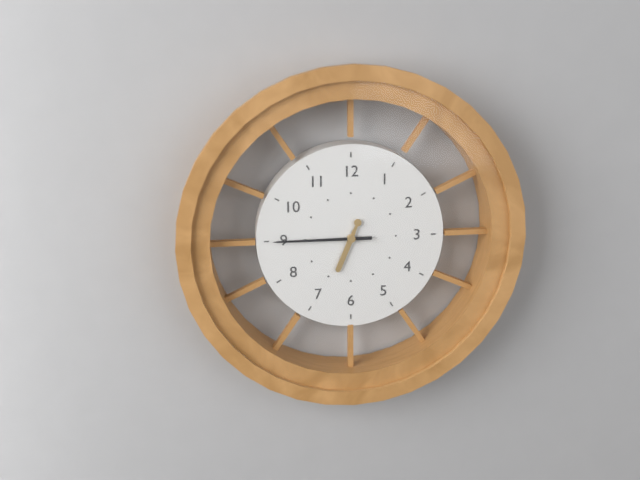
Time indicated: 6:45
